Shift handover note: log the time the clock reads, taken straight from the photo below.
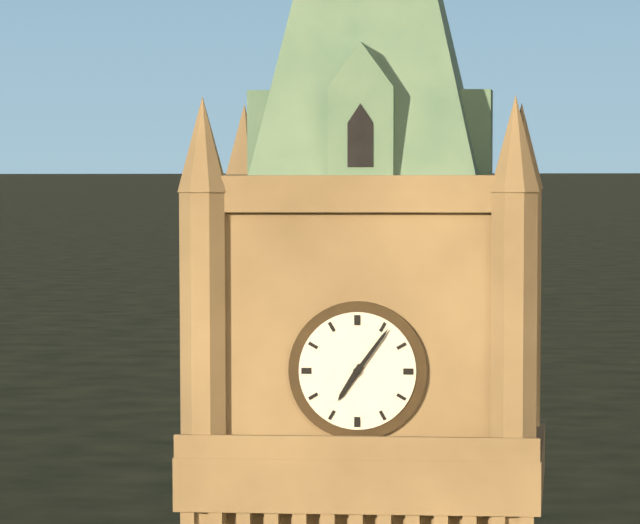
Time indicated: 7:06
